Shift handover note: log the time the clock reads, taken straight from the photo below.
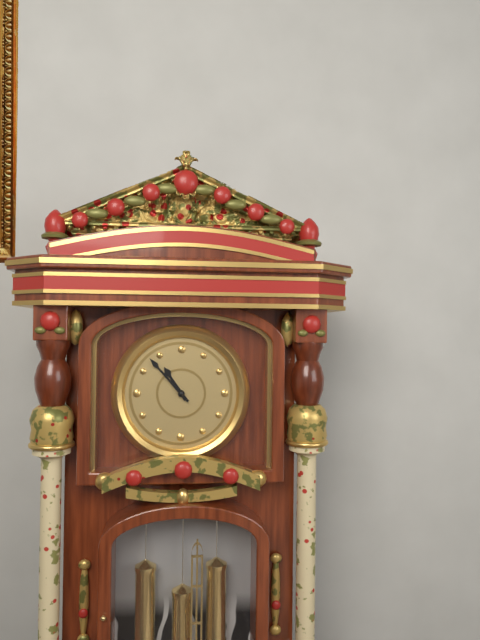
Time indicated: 10:53
